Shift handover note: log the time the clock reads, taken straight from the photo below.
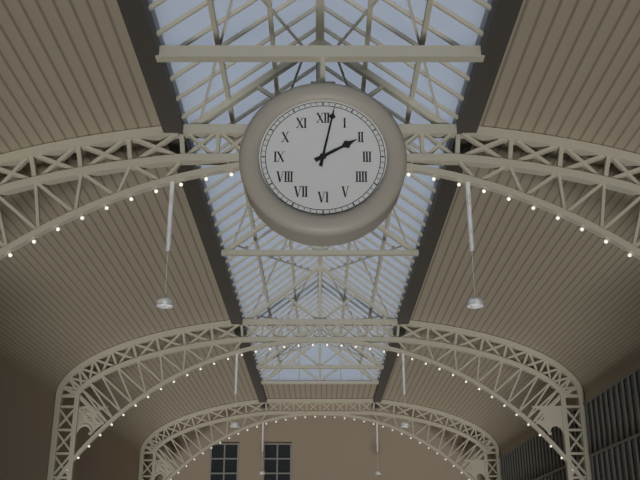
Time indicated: 2:02
